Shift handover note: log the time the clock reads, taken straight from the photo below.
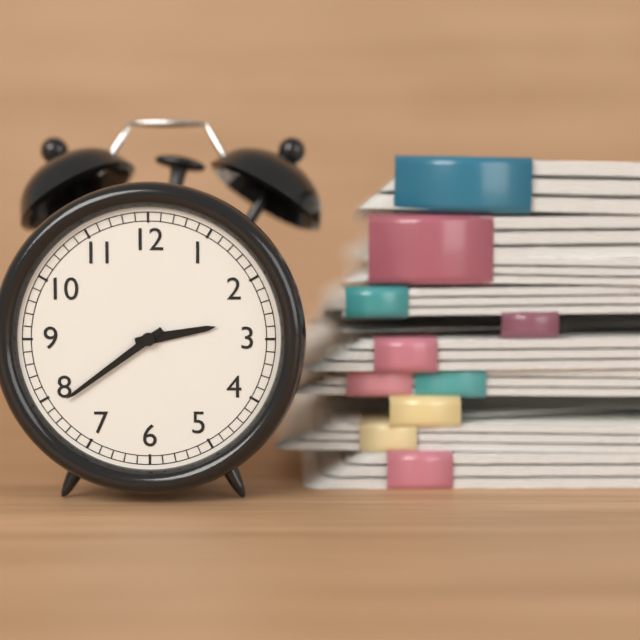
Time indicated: 2:39
